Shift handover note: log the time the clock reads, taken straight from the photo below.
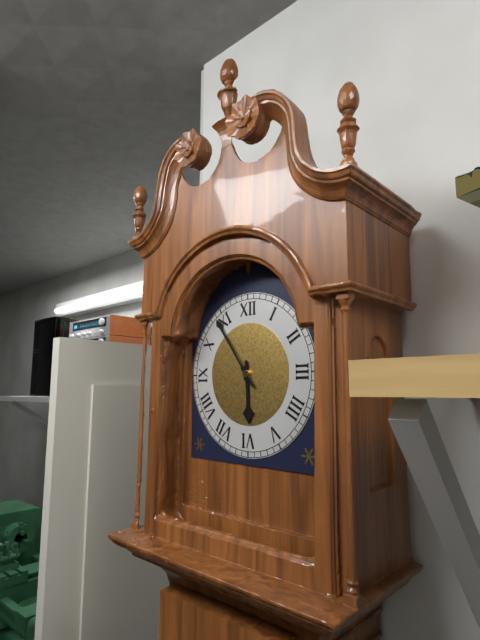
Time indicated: 5:54
